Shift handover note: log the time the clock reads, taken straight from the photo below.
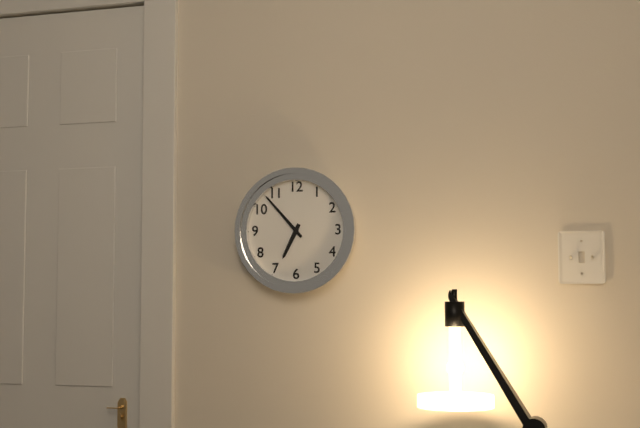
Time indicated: 6:53
